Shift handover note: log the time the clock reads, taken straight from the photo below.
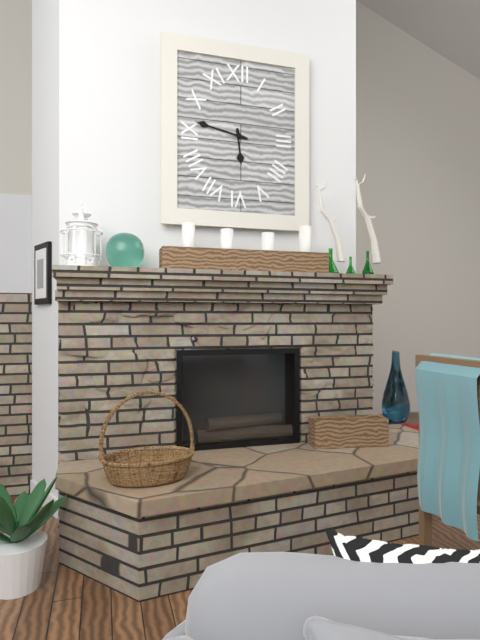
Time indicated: 5:47
